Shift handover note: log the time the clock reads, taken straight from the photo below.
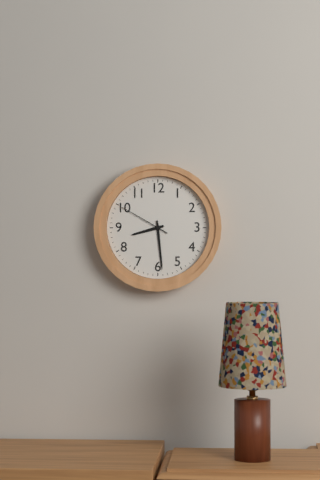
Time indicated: 8:29:50
